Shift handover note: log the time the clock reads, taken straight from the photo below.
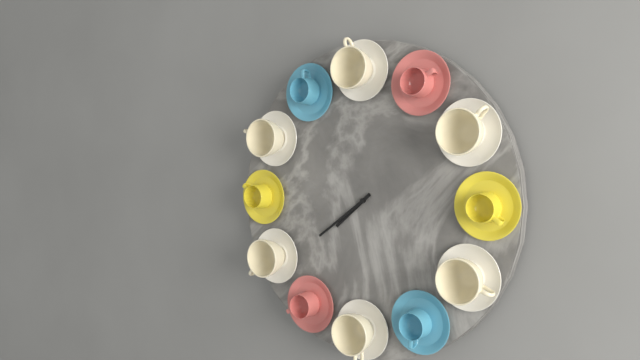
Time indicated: 7:39
